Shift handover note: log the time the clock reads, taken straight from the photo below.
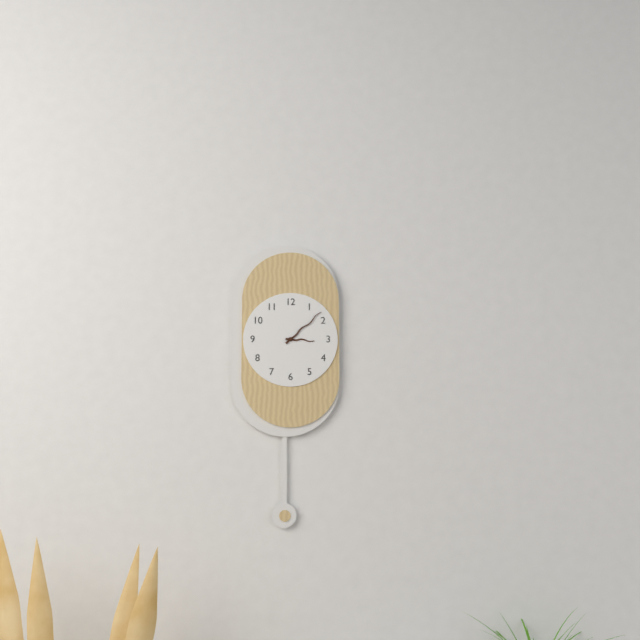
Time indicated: 3:08
